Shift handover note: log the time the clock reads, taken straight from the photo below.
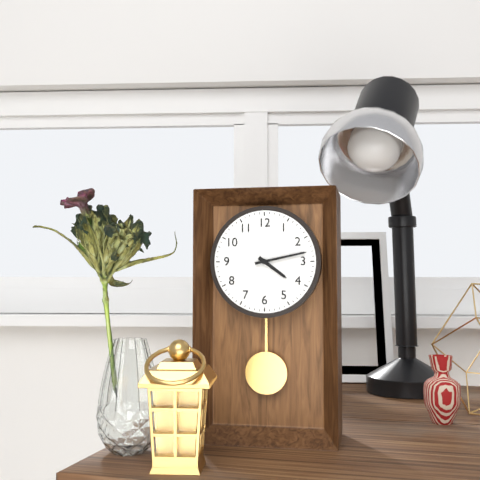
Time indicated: 4:13
